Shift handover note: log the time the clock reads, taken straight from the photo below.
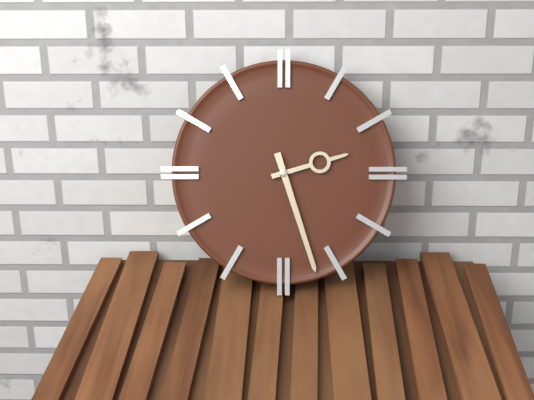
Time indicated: 2:27
